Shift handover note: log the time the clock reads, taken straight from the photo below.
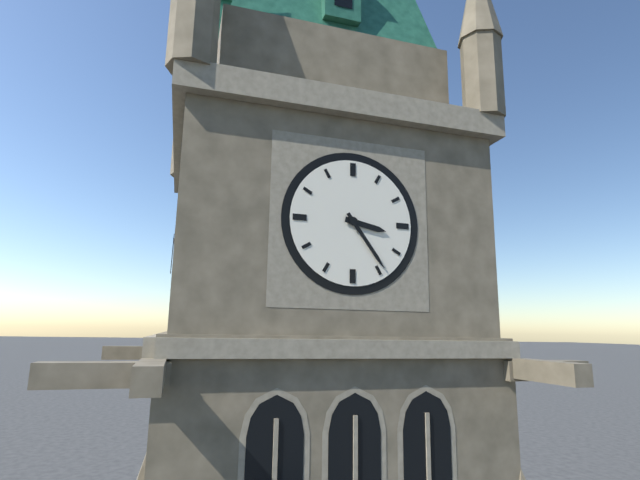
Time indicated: 3:24
